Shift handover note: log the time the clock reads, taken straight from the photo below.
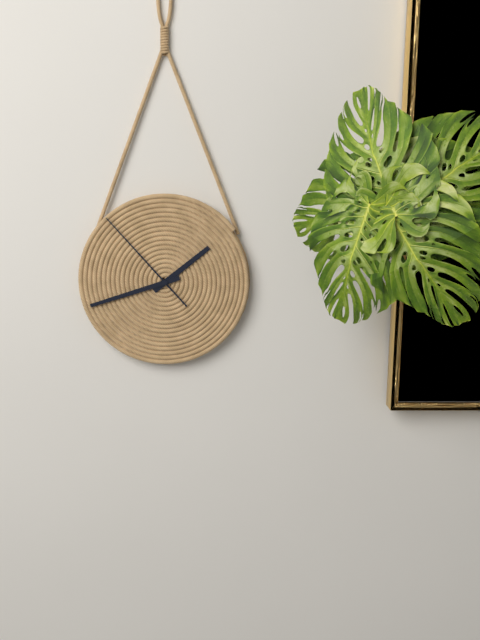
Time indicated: 1:42:53
